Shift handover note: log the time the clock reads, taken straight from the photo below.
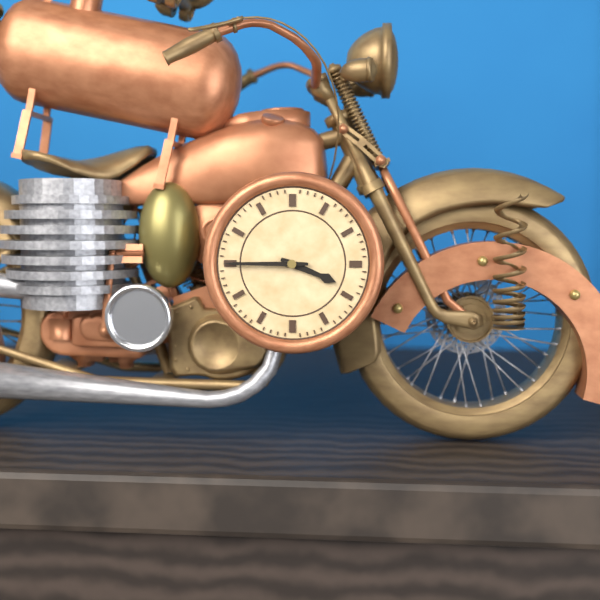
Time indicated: 3:45
